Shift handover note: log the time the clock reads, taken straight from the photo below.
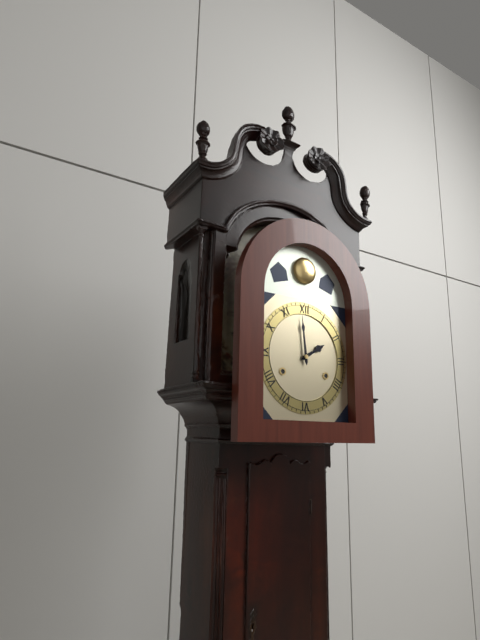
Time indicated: 1:59
